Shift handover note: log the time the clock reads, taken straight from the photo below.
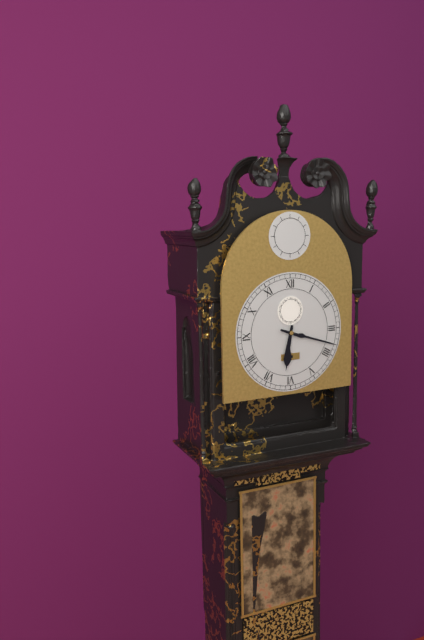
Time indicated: 6:18
